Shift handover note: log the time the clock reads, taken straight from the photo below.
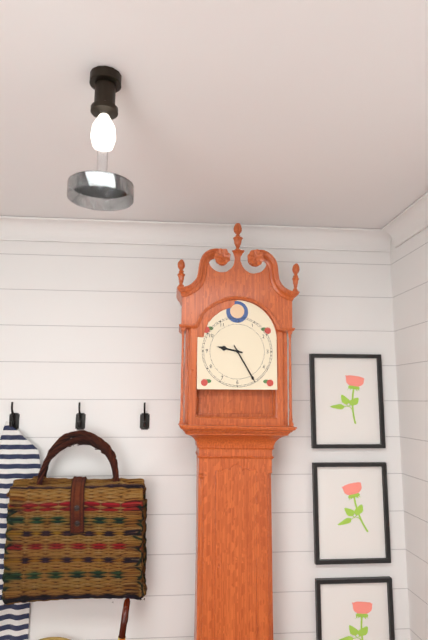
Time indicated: 9:25
